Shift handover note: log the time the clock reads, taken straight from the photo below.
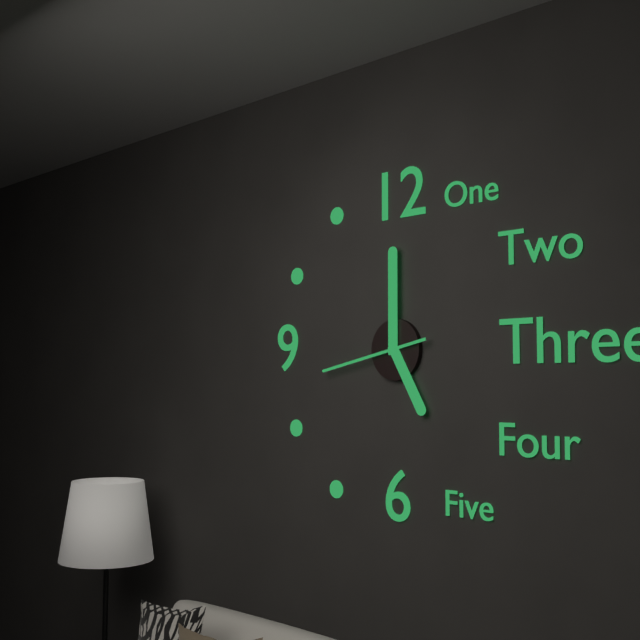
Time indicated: 5:00:43
